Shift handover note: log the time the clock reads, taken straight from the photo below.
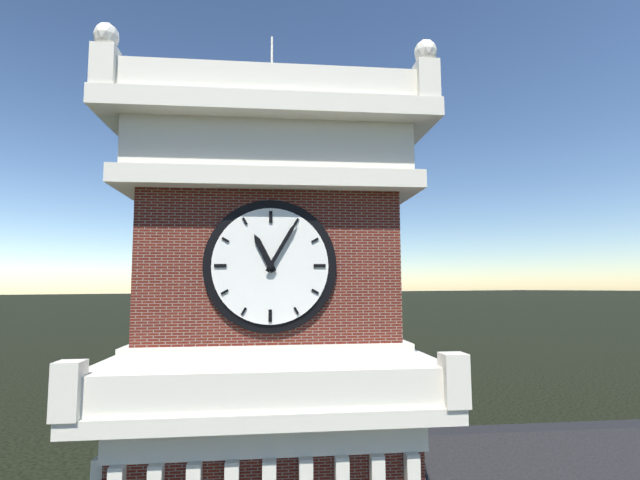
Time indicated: 11:05
